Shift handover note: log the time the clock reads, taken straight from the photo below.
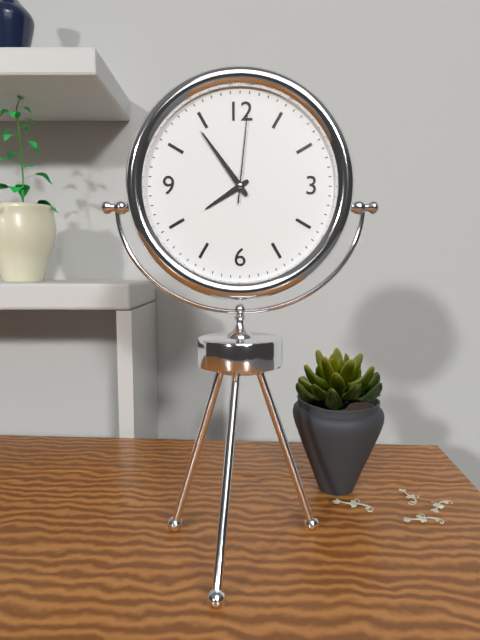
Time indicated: 7:54:01
